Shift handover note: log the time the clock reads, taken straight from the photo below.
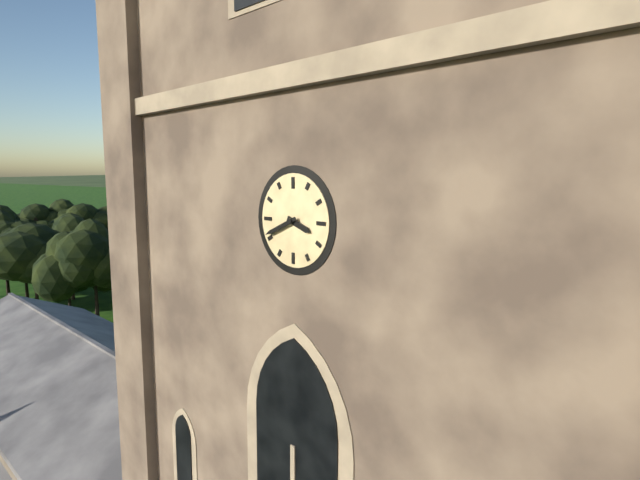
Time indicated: 3:41
